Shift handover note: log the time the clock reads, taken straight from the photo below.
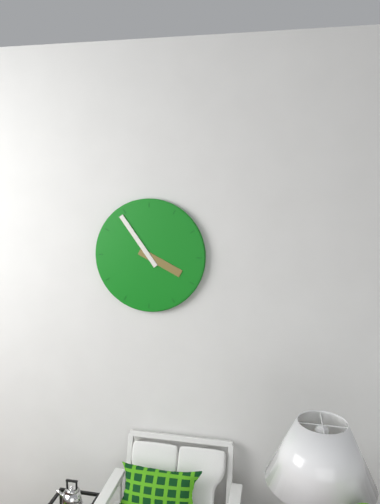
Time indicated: 3:54
